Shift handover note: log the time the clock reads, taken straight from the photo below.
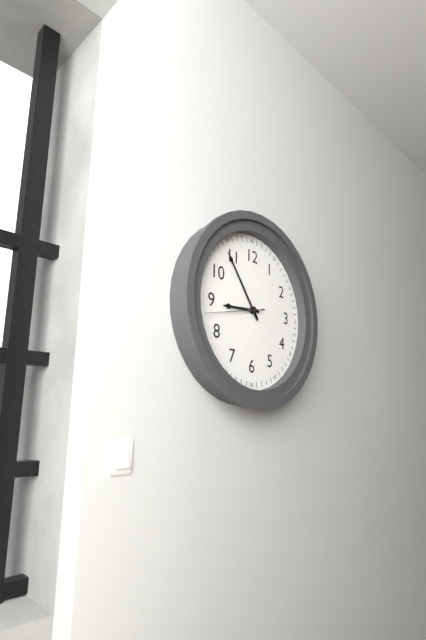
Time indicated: 8:54:43
